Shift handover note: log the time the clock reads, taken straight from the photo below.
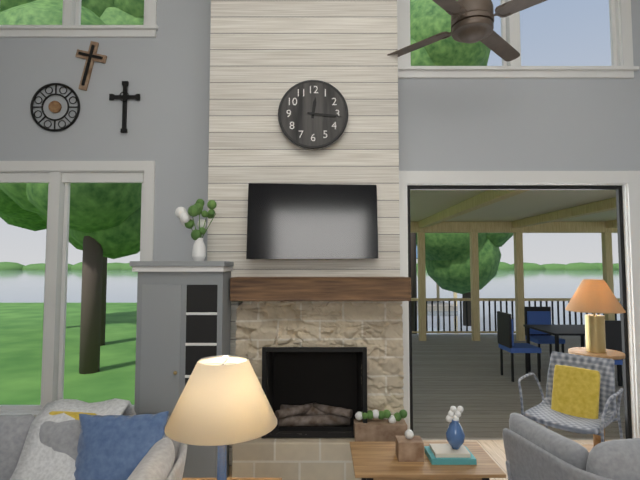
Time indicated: 12:16
